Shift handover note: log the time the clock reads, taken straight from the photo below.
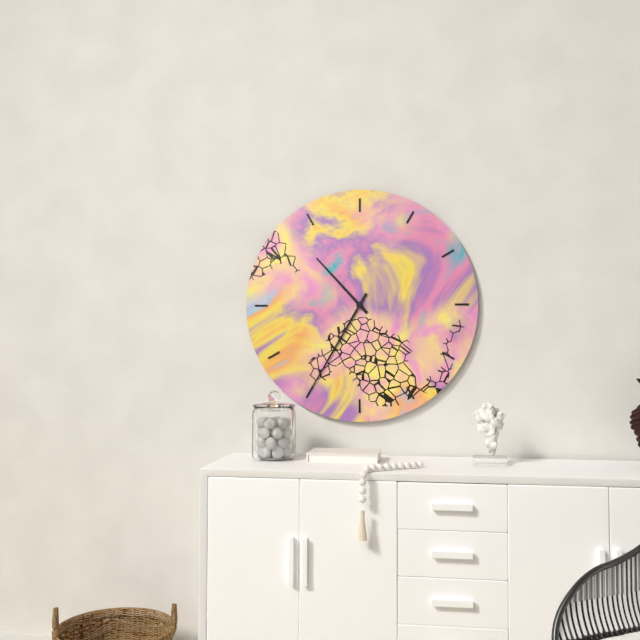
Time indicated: 10:35
